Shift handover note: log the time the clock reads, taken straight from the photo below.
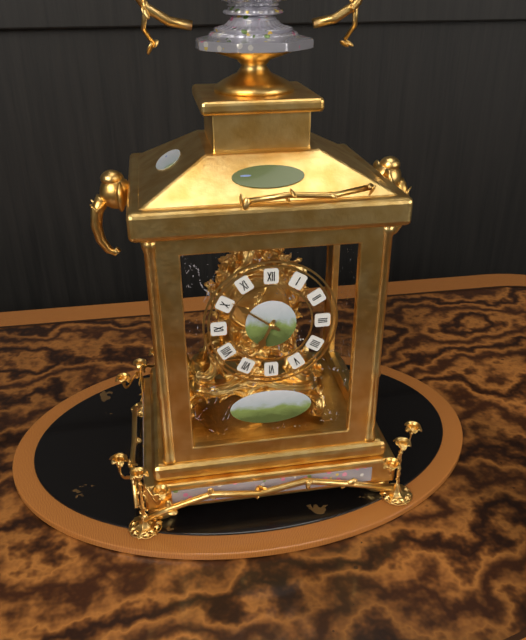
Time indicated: 6:51
